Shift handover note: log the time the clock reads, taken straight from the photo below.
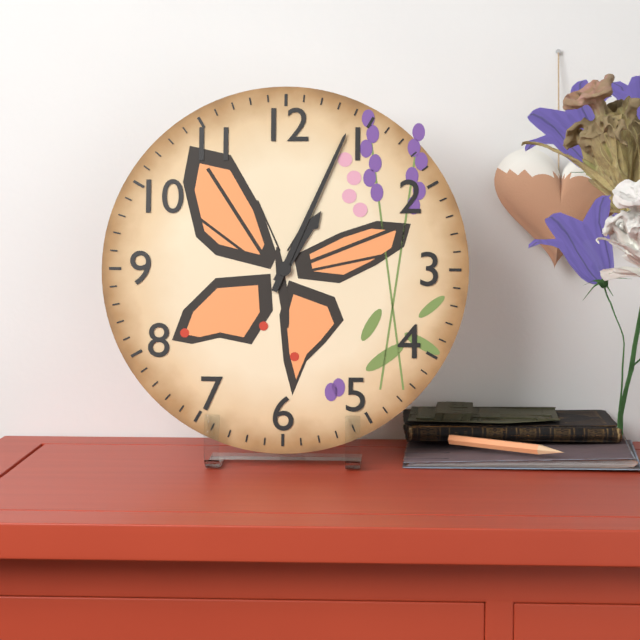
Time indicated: 1:04
